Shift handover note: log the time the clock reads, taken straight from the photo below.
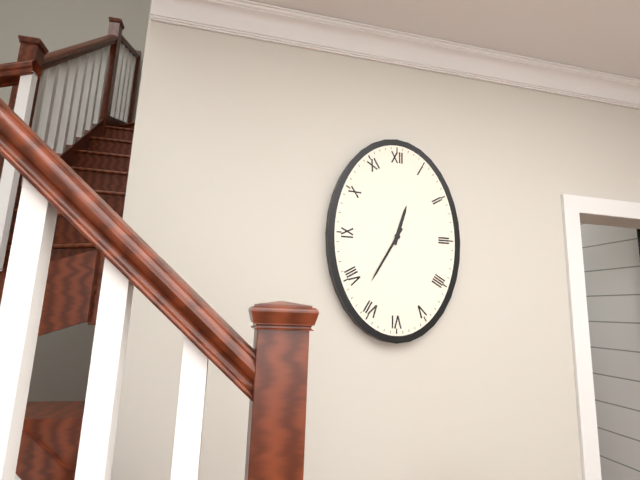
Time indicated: 12:35
